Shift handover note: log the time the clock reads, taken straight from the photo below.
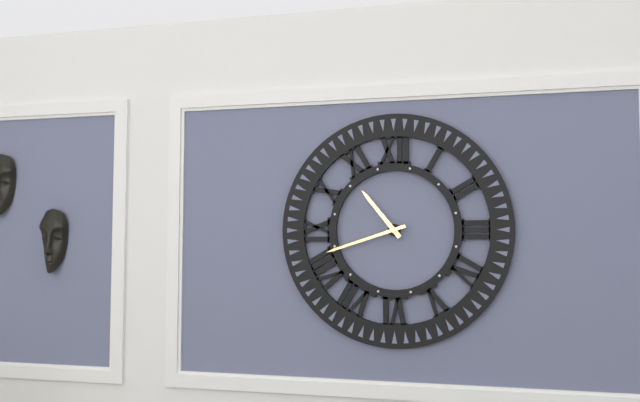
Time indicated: 10:42
